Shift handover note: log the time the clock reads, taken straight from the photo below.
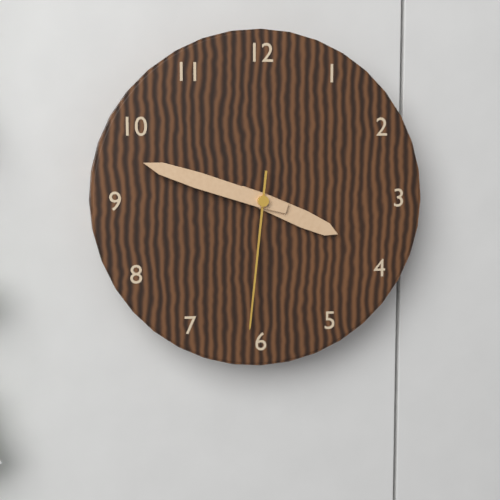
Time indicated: 3:48:31
